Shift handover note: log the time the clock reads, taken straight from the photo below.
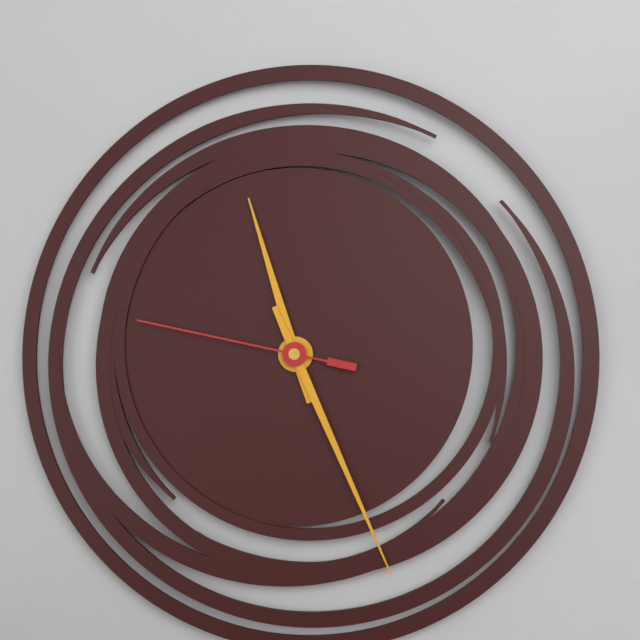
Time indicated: 11:26:47
